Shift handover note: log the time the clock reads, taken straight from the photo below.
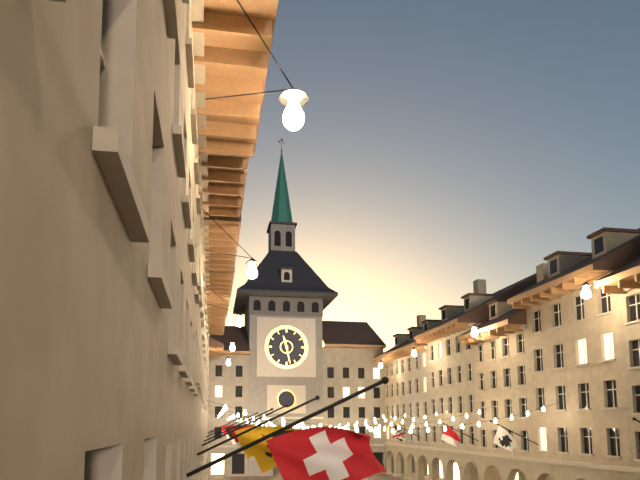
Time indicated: 11:28
